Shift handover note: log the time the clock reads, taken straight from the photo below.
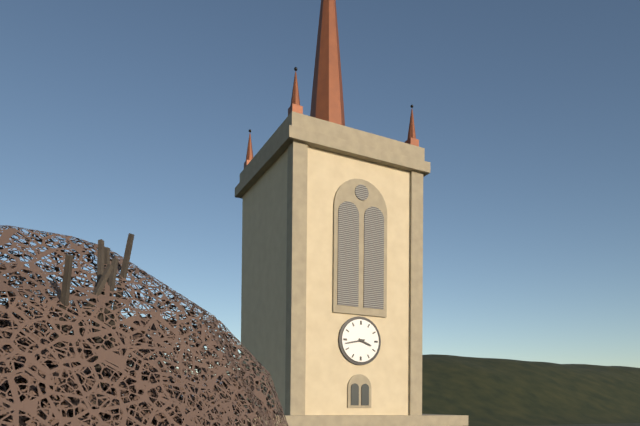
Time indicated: 3:43
